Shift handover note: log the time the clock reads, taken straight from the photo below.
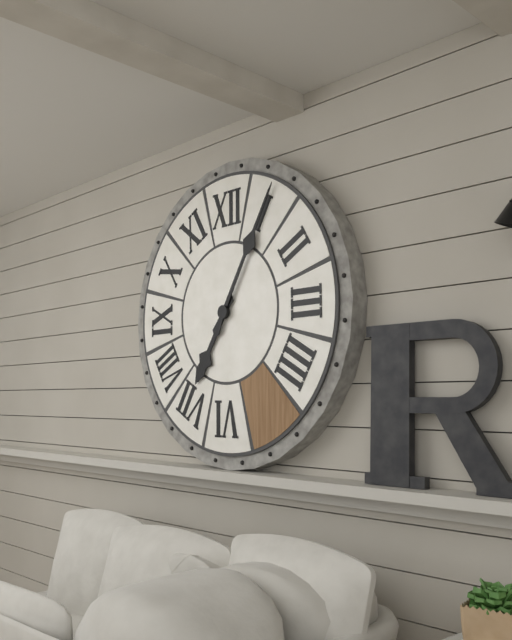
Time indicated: 7:05
